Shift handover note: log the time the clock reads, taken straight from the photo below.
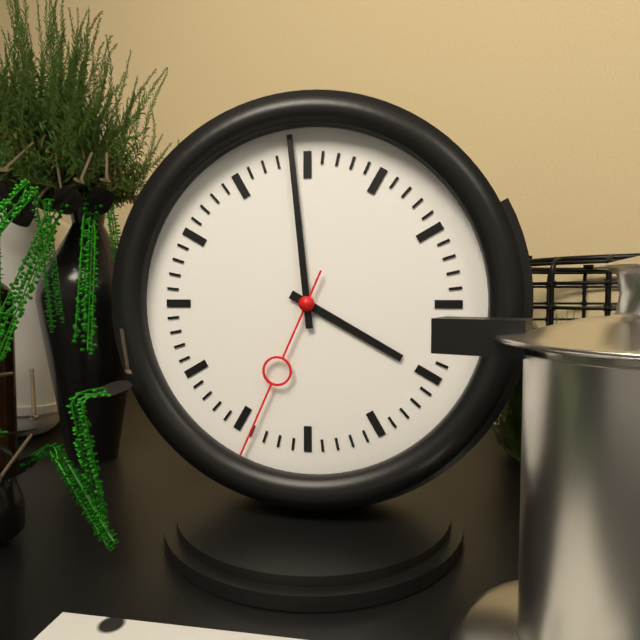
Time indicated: 3:59:34
